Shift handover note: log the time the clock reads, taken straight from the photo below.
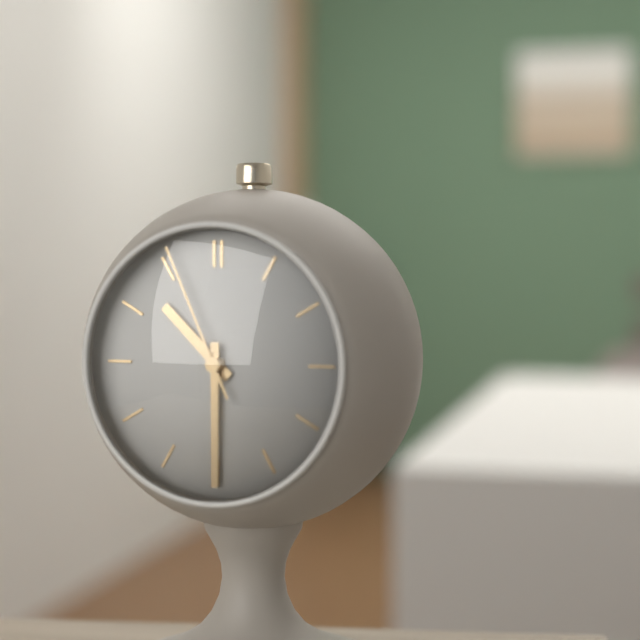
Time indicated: 10:30:56
